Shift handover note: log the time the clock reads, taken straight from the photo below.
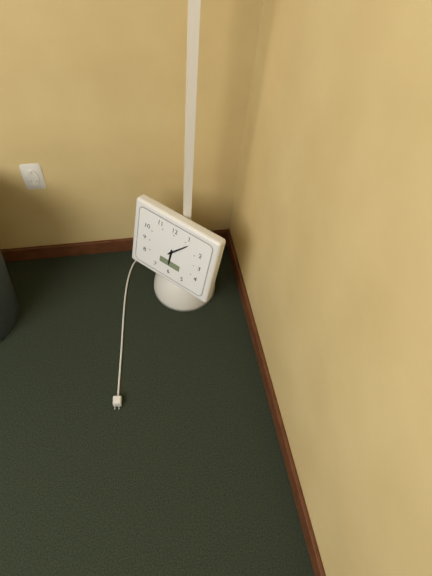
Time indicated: 6:07
